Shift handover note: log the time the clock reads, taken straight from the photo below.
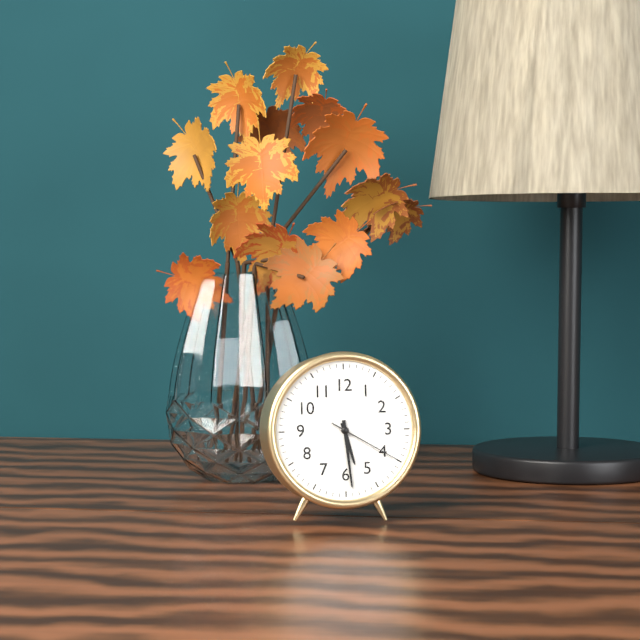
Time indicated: 5:29:20
